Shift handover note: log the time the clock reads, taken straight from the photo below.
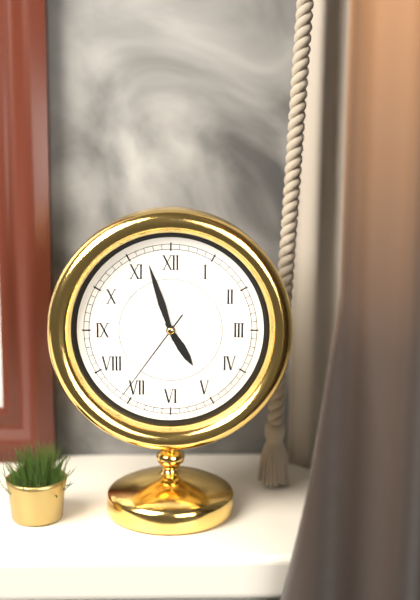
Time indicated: 4:57:36
